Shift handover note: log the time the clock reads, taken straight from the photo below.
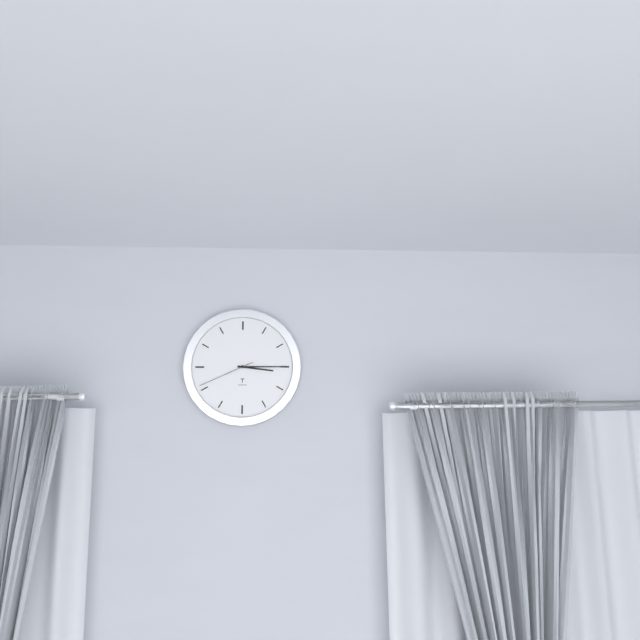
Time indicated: 3:15:41
